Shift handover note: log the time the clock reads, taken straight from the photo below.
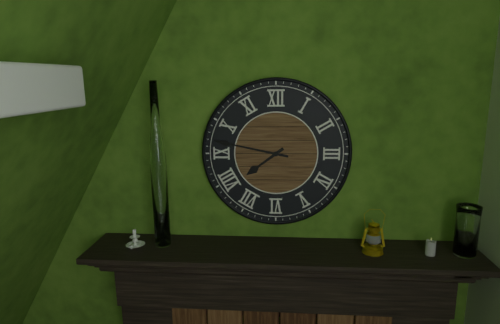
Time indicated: 7:47
